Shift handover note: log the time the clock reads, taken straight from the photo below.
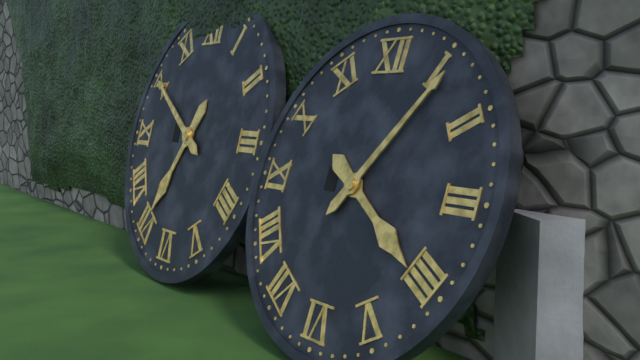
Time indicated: 4:06
